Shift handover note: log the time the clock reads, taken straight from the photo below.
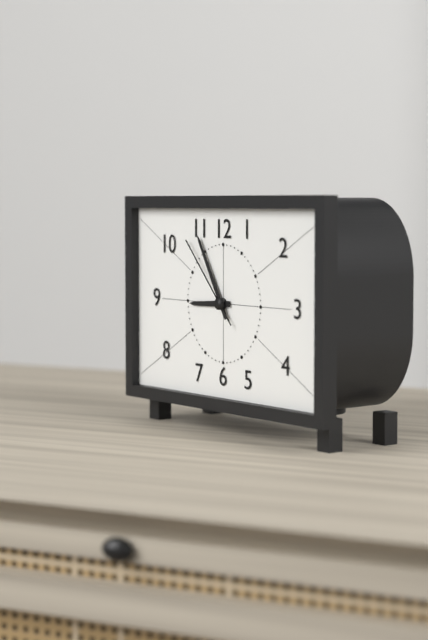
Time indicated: 8:55:53
